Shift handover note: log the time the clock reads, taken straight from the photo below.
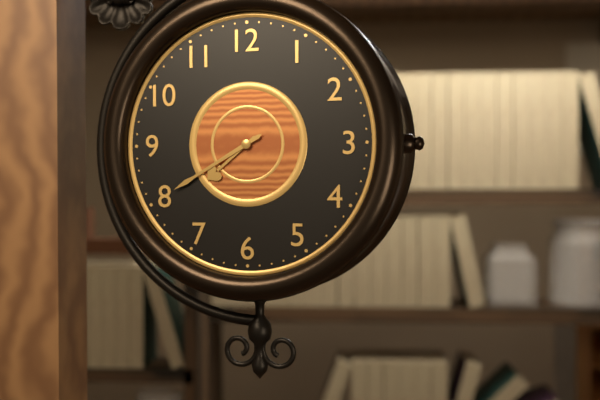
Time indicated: 7:40
